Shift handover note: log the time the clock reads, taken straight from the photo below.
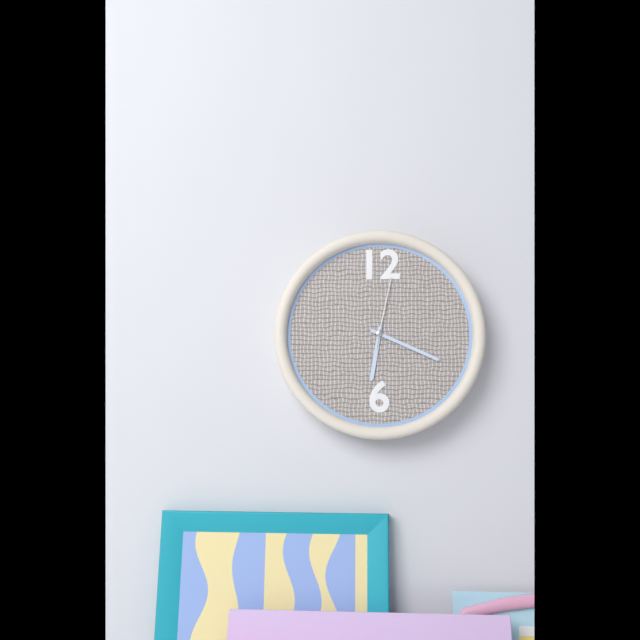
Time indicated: 6:19:02
